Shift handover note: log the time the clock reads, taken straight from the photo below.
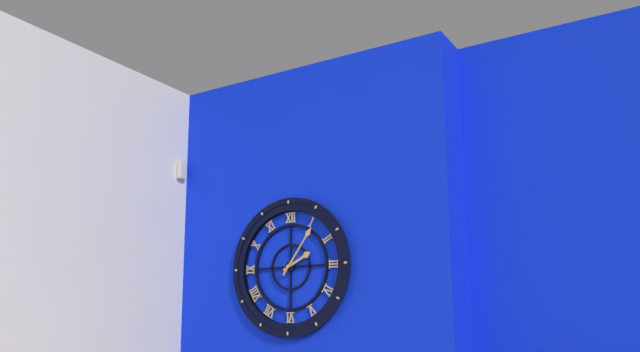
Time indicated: 2:06
